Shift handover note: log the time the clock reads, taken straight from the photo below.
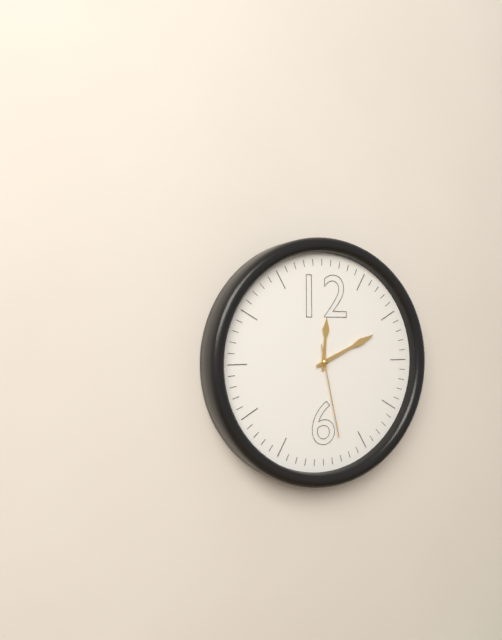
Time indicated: 12:11:28
